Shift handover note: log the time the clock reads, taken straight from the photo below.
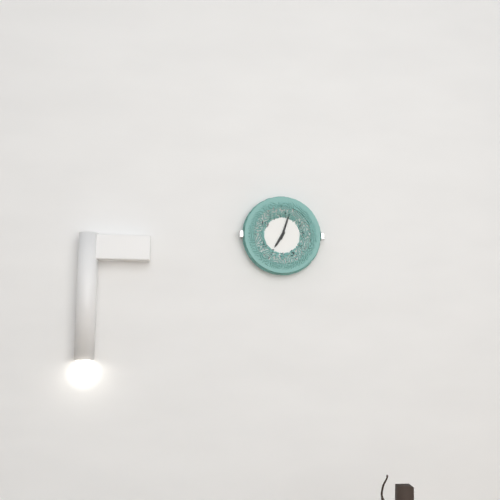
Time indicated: 7:03
